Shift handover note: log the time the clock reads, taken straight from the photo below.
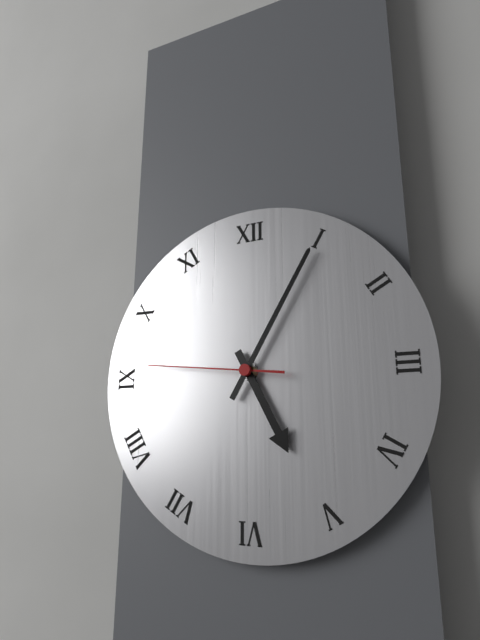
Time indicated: 5:05:46
